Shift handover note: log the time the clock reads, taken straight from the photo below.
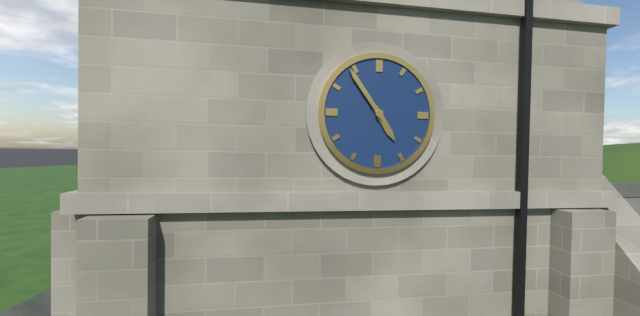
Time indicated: 4:54
